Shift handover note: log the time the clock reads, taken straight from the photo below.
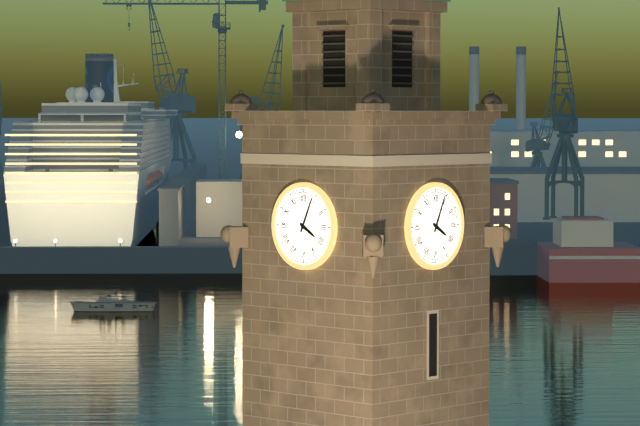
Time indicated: 4:04
